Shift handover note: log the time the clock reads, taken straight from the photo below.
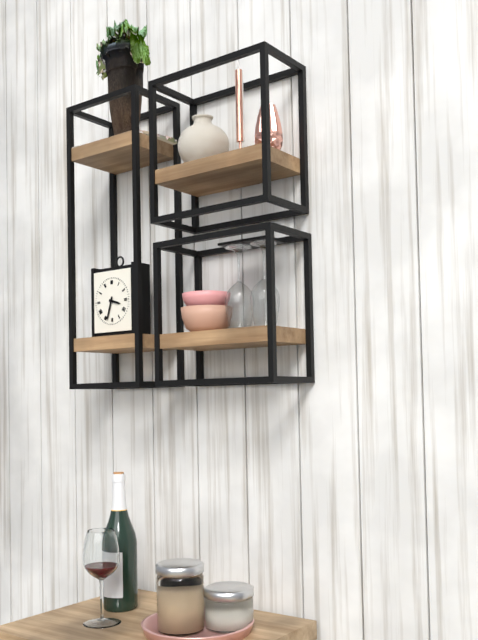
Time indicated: 3:33
